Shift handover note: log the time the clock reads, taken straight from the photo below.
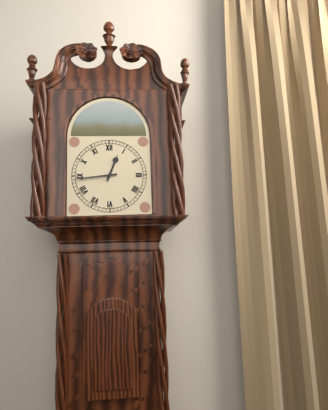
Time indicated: 12:44
